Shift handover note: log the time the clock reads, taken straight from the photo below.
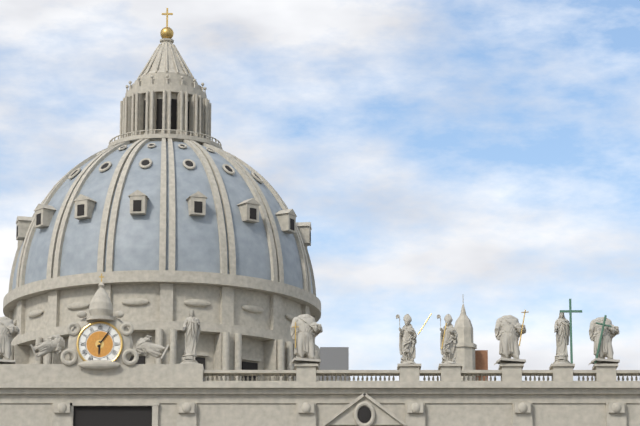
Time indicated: 6:06
